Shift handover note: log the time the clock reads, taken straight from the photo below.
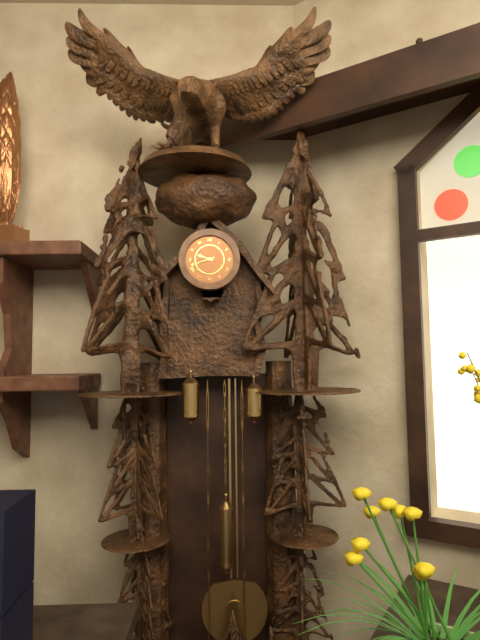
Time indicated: 9:42
